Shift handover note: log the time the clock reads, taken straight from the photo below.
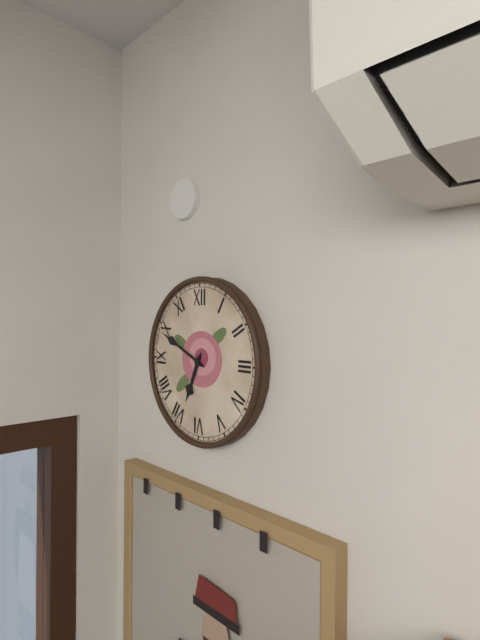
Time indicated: 6:49
